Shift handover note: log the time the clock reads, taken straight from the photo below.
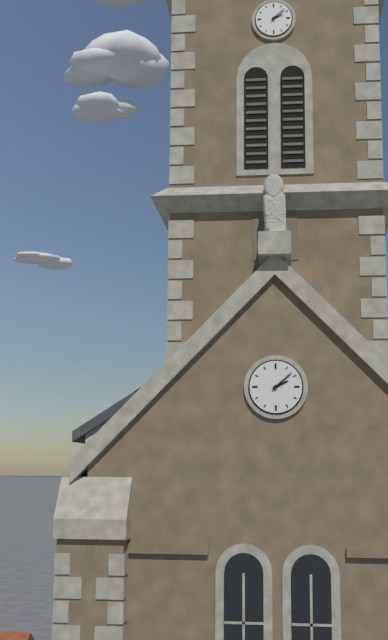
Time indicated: 2:08
